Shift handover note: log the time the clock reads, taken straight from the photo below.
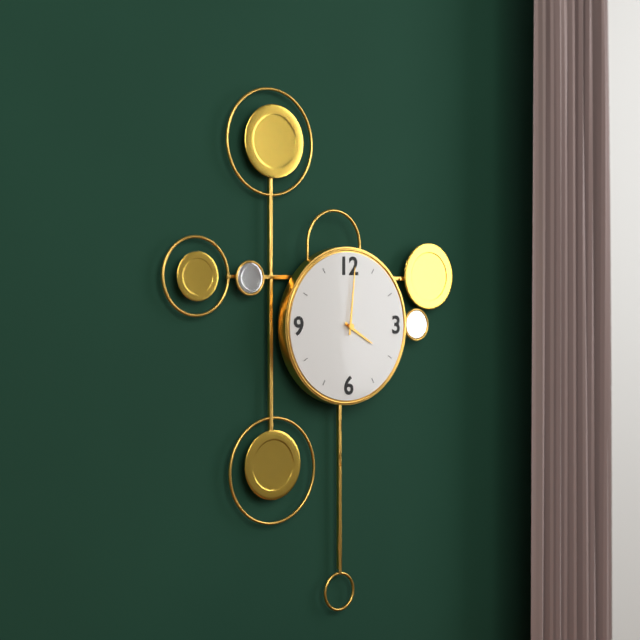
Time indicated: 4:01
